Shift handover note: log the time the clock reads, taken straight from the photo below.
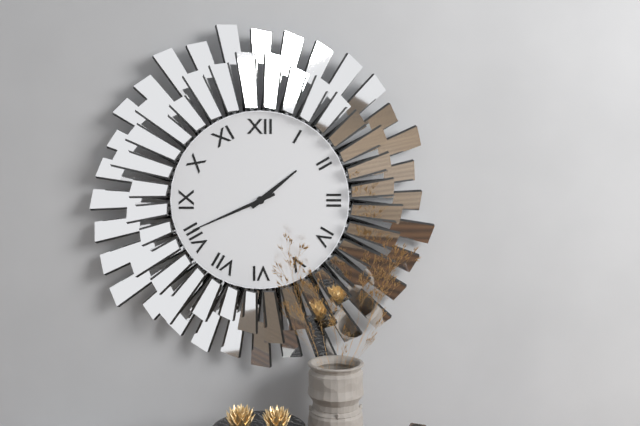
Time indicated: 1:41
